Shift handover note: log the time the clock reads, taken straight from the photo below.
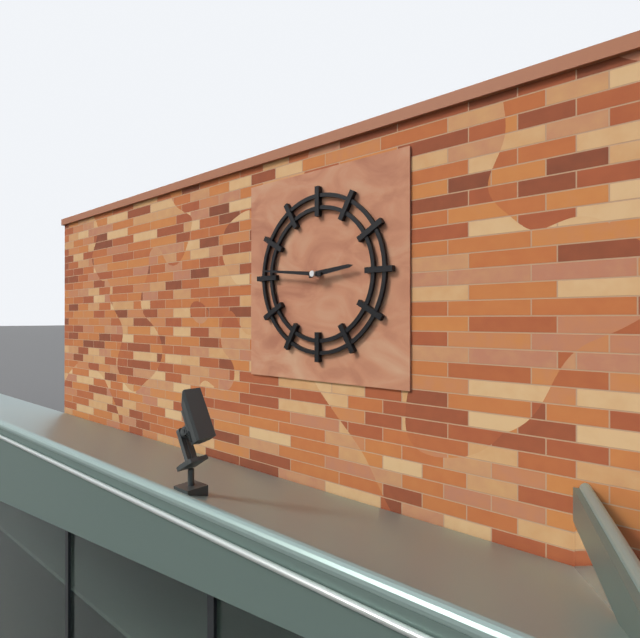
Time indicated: 2:46
